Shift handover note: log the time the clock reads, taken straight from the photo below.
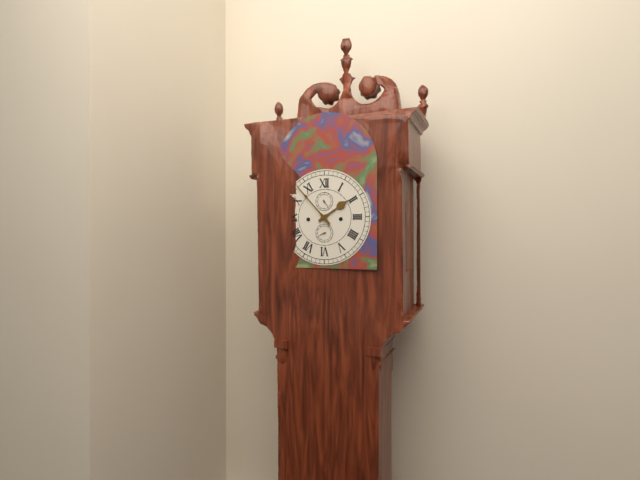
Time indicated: 1:53
